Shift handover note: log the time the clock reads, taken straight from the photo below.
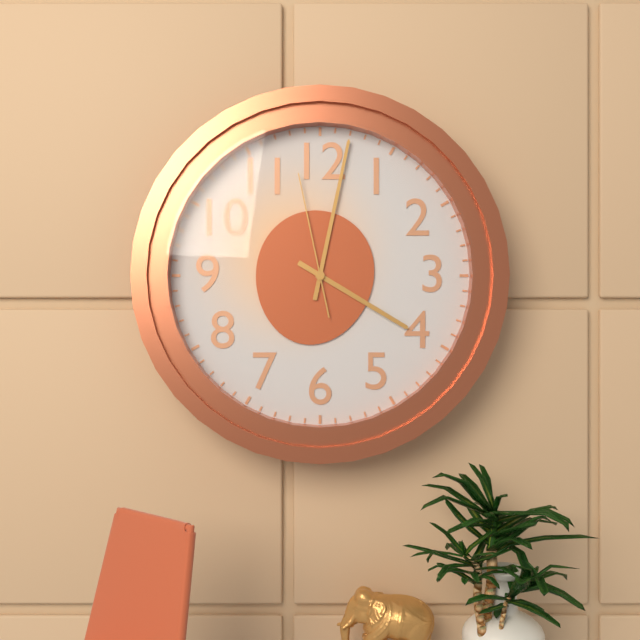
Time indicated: 4:02:58
